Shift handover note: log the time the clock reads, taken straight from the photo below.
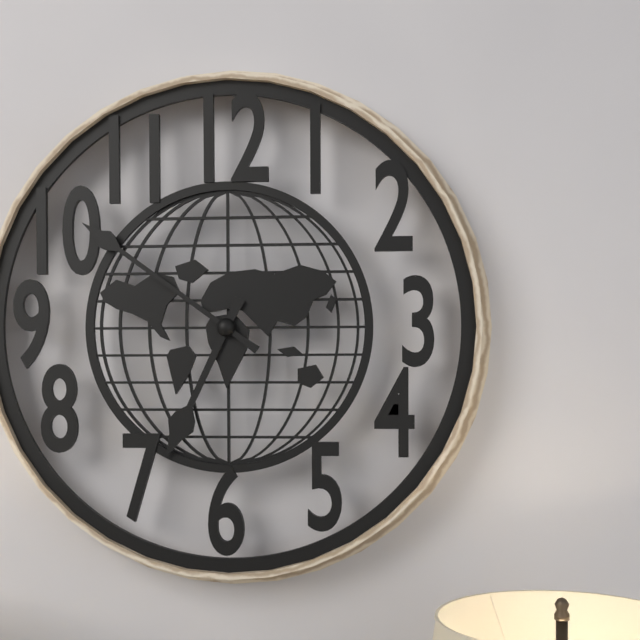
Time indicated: 6:51
